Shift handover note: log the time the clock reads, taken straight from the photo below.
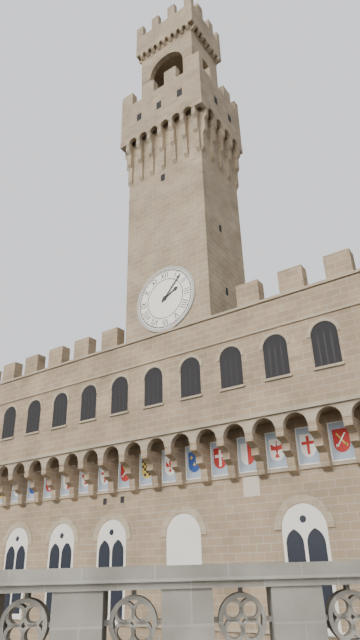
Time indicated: 2:07
